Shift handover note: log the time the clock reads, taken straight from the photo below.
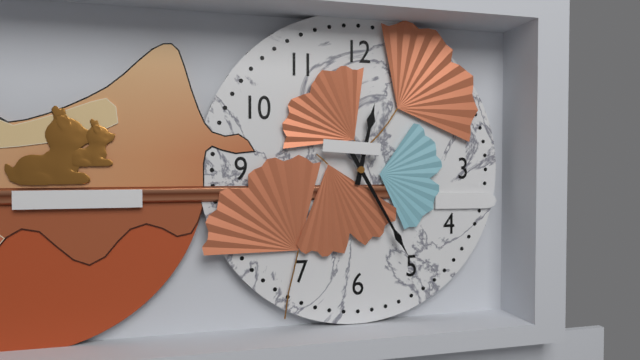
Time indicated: 12:25
